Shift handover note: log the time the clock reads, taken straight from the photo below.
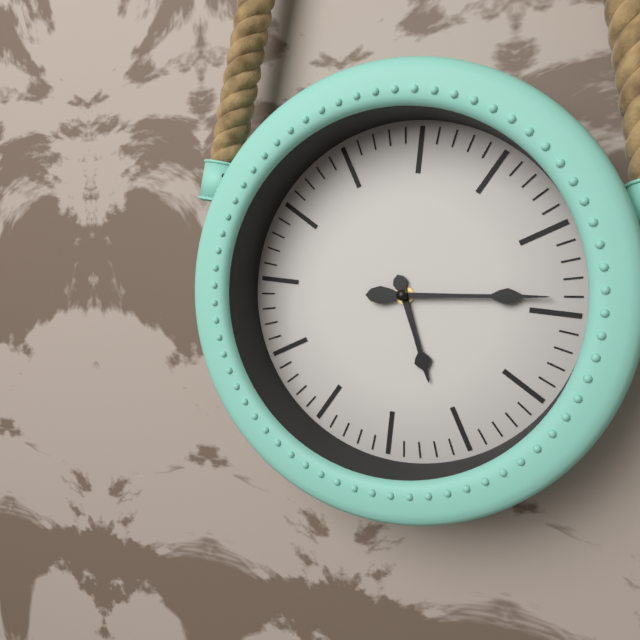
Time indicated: 5:14
